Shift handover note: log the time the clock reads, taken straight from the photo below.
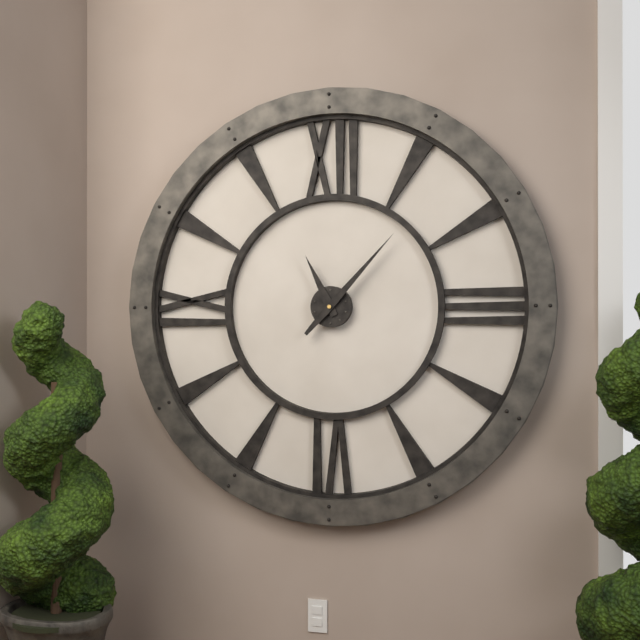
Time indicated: 11:07
